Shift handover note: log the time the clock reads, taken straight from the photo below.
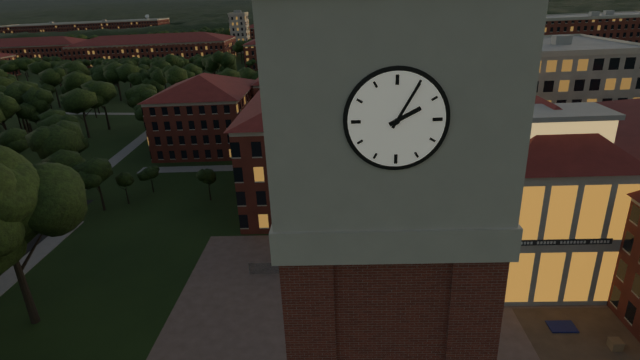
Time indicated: 2:05
